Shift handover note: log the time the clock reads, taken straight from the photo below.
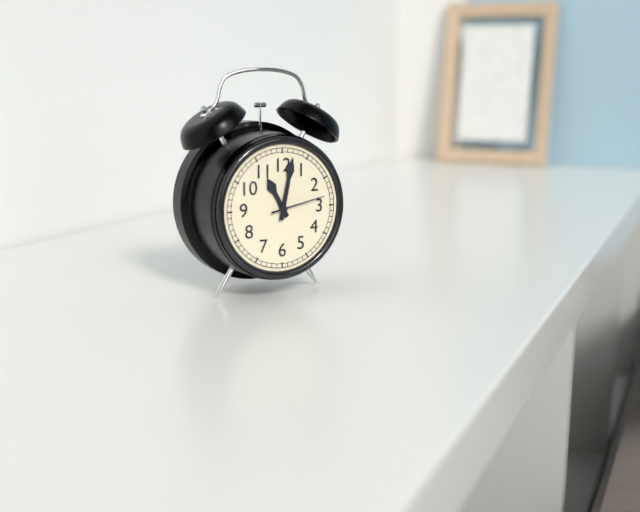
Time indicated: 11:02:13
